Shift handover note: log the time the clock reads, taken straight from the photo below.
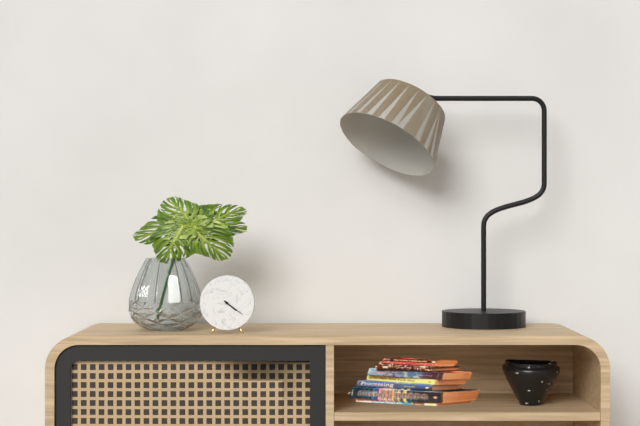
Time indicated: 4:21
